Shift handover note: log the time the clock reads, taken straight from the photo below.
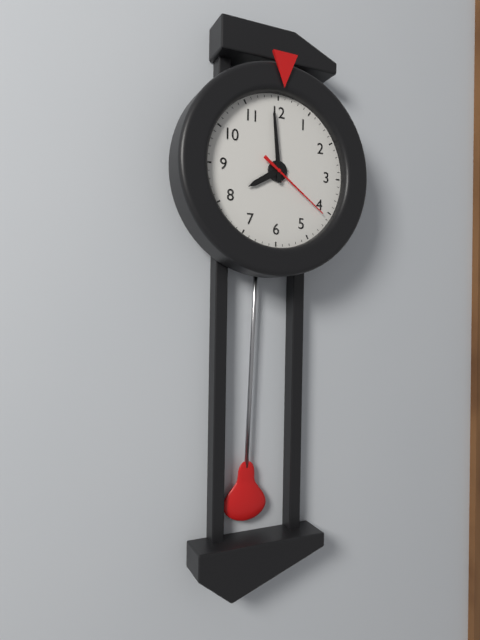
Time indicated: 7:59:21
